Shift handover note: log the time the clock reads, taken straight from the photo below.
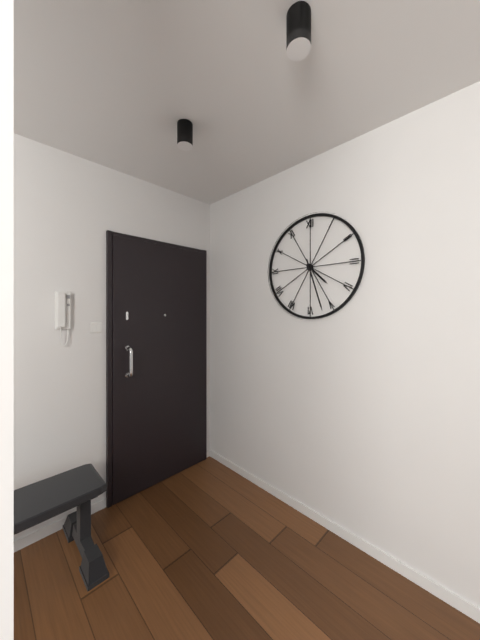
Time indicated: 4:27
